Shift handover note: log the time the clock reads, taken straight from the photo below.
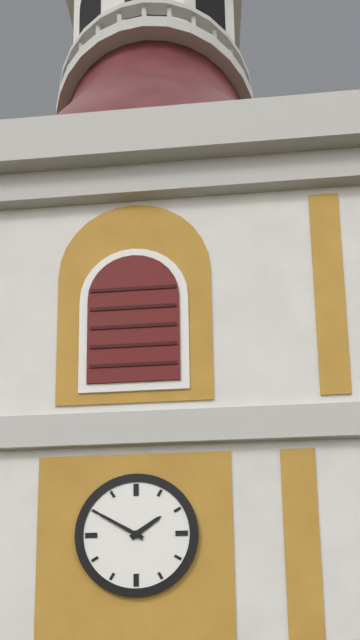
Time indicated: 1:50
